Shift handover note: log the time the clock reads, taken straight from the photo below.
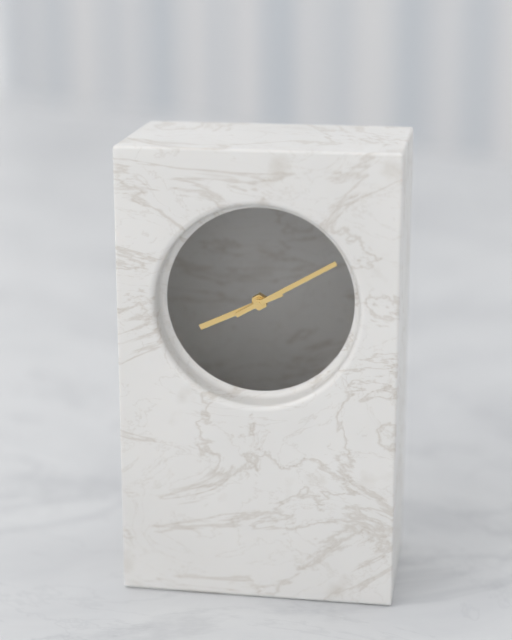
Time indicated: 8:10
